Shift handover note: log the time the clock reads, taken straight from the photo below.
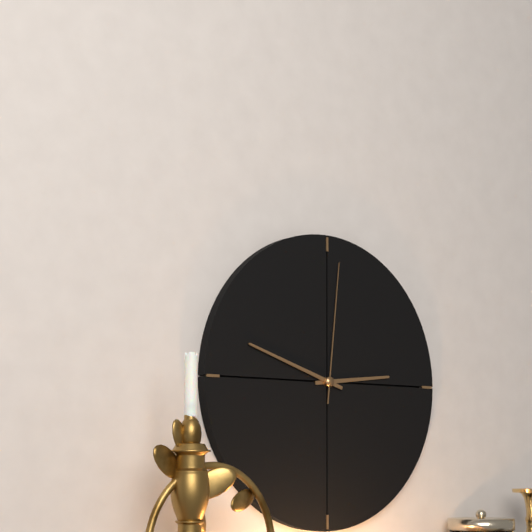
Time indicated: 2:48:01
